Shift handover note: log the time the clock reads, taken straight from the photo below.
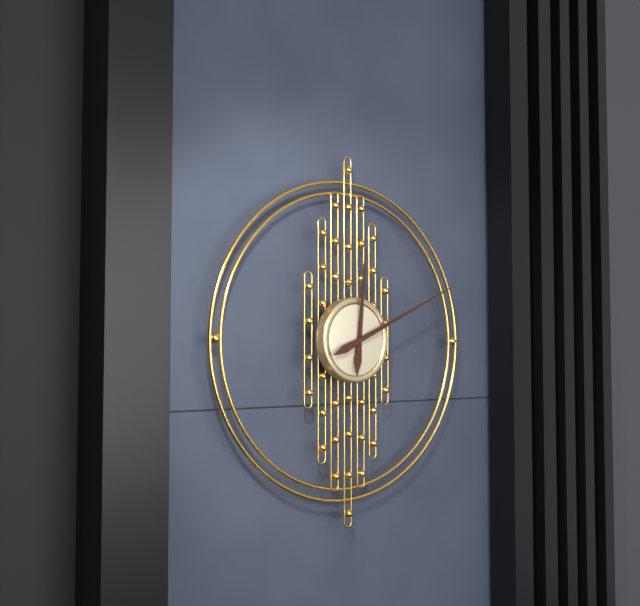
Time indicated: 12:11
